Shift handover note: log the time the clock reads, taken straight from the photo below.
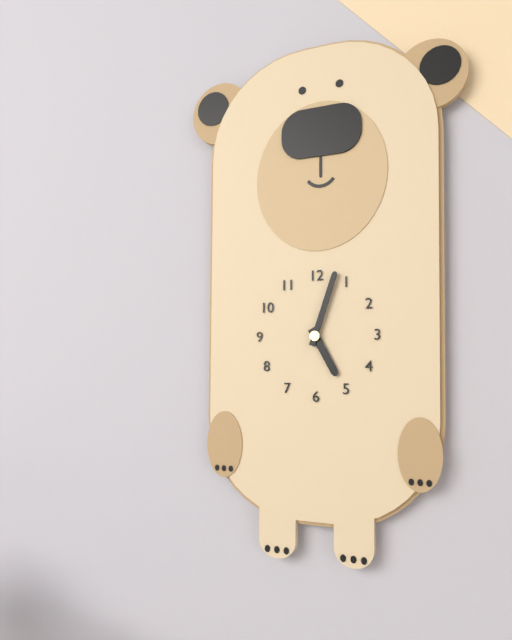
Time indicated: 5:03
